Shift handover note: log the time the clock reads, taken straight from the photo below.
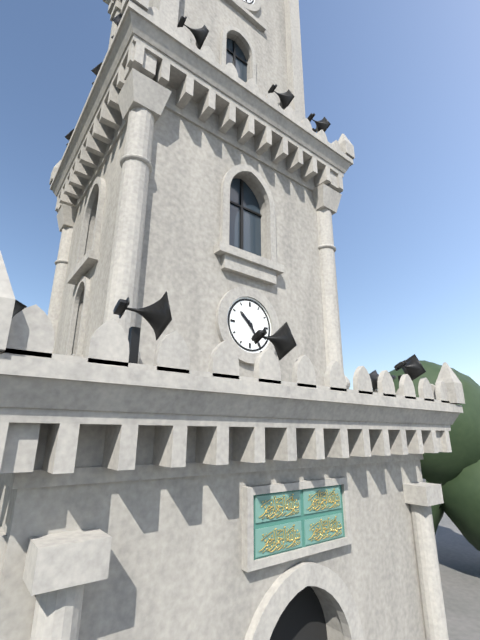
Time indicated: 10:25
